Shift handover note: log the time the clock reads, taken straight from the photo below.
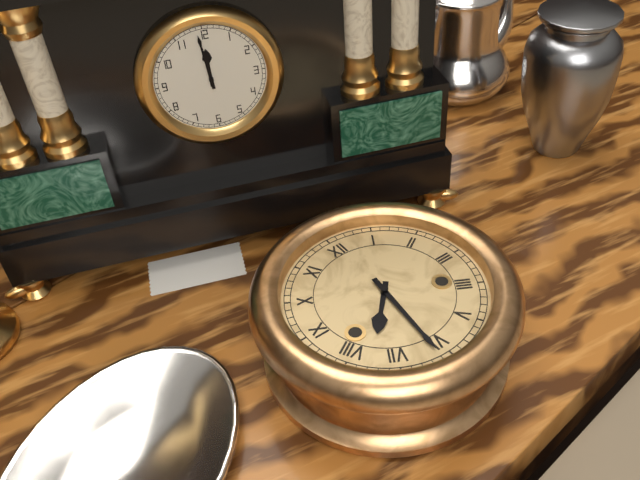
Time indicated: 7:31
